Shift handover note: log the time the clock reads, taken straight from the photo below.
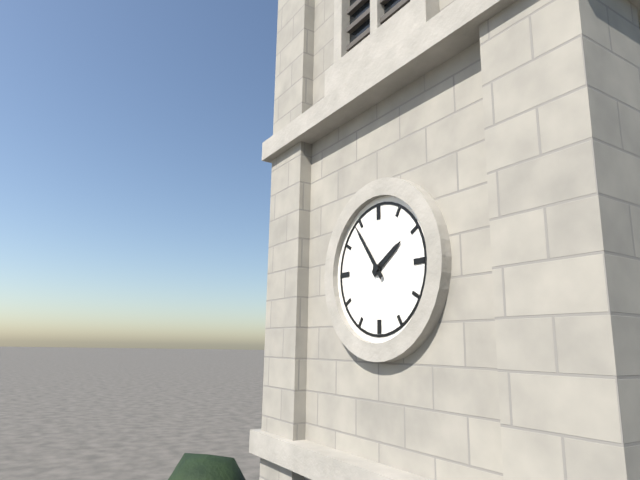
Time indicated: 1:54
